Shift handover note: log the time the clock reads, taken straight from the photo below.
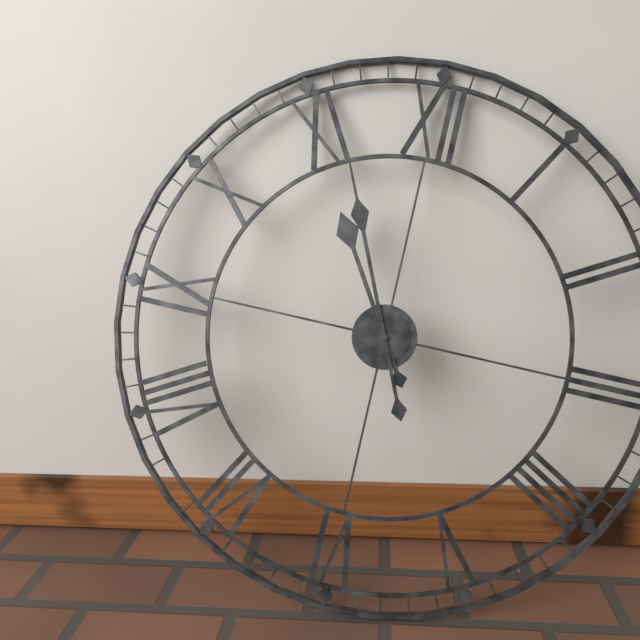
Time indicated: 10:56
